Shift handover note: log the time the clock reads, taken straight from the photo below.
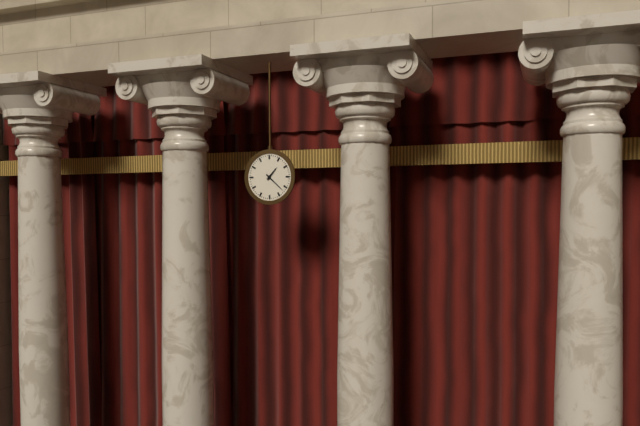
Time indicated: 1:22
